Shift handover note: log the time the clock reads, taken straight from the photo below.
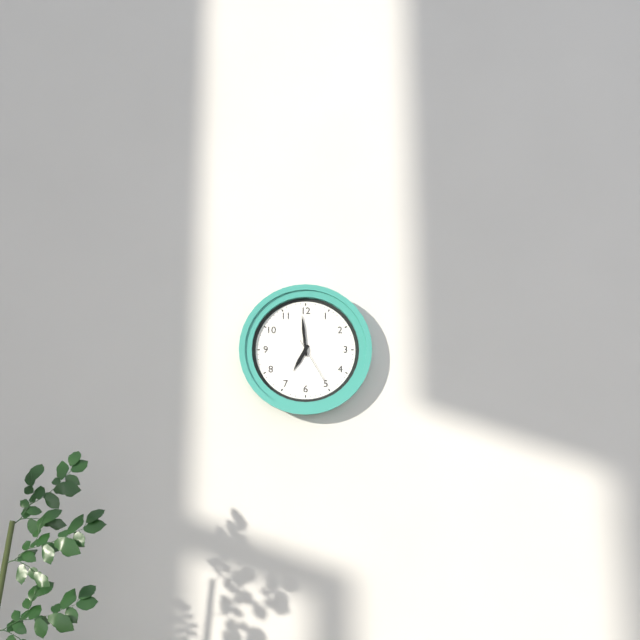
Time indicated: 6:59:25
